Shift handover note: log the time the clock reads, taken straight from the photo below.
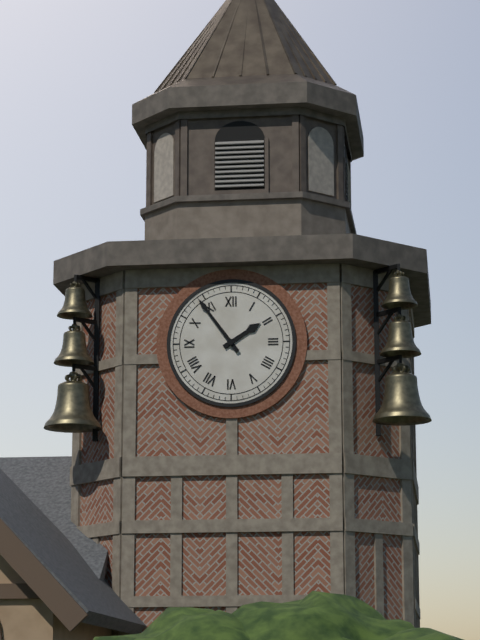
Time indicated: 1:54
